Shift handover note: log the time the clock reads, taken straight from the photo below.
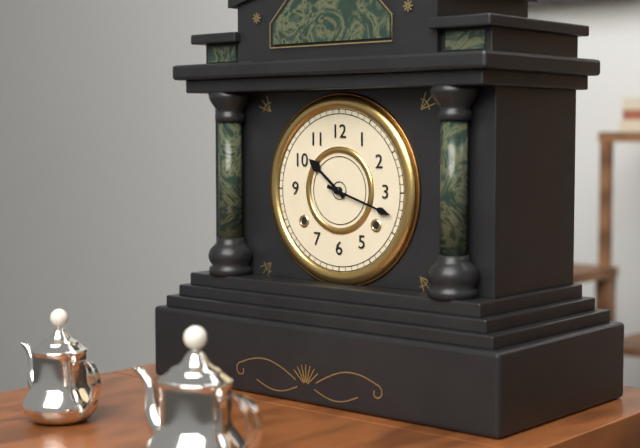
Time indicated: 10:18
